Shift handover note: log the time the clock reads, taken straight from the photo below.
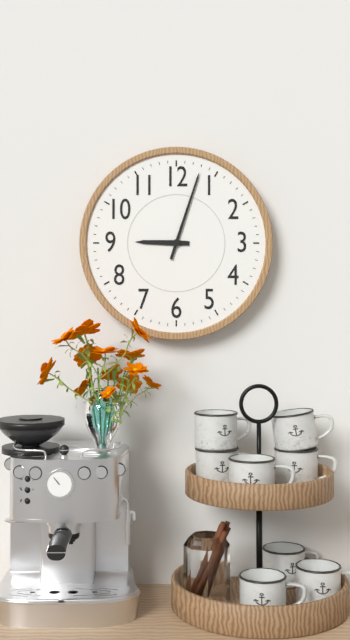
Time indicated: 9:03
